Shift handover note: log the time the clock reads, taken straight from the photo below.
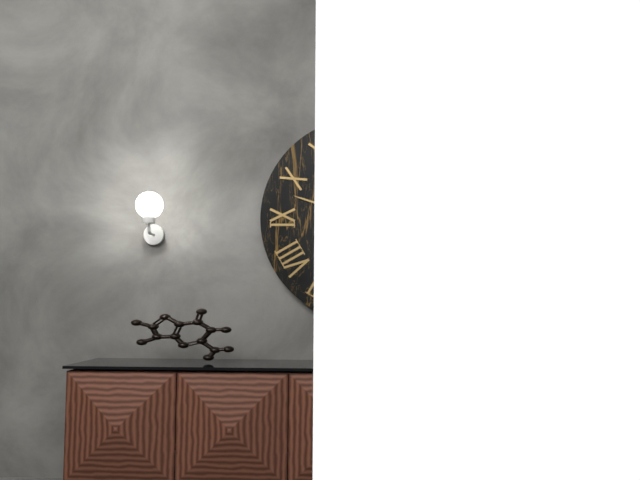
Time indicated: 12:48
